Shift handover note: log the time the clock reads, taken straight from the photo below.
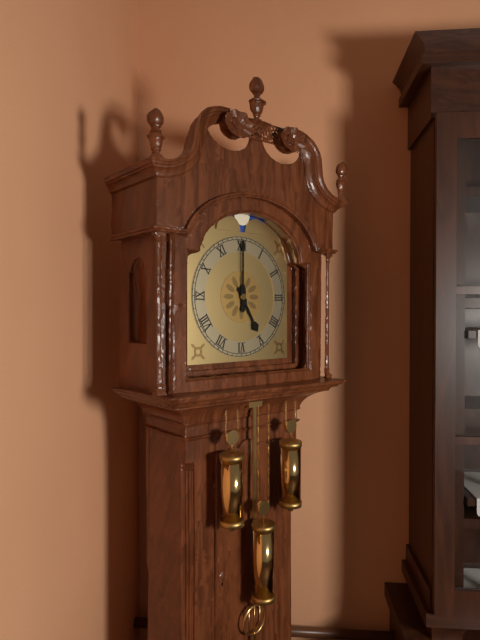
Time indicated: 5:00
